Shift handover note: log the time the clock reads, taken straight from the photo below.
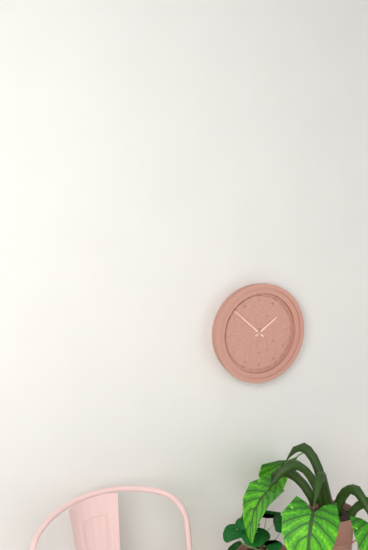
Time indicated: 1:52
